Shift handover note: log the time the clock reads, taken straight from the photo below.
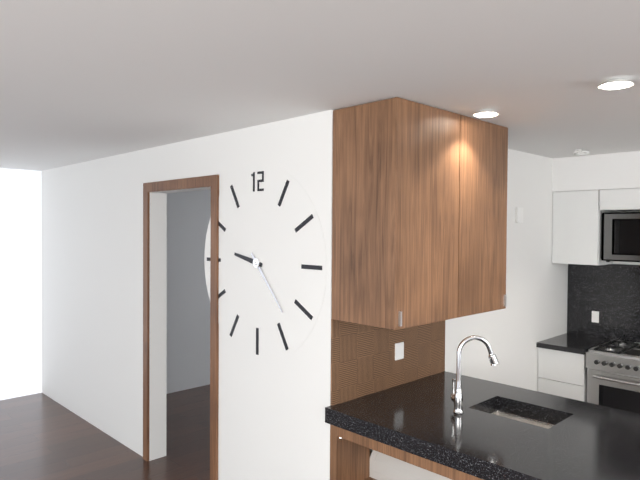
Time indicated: 9:23
